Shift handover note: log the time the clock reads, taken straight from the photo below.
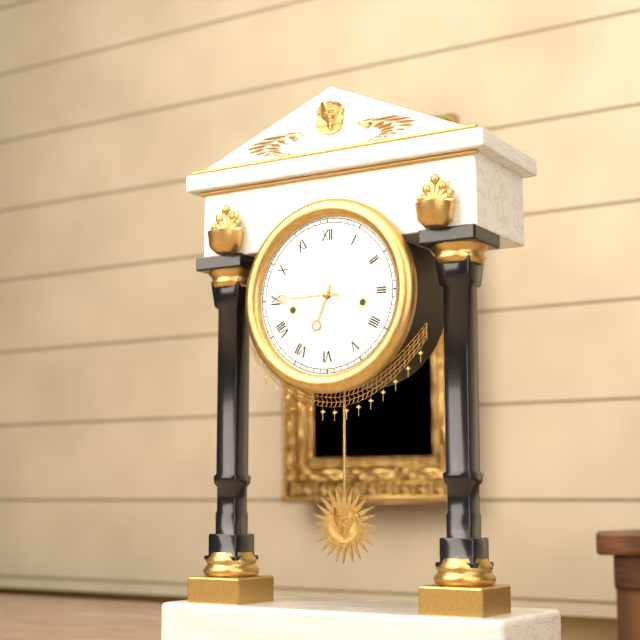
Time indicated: 6:45
